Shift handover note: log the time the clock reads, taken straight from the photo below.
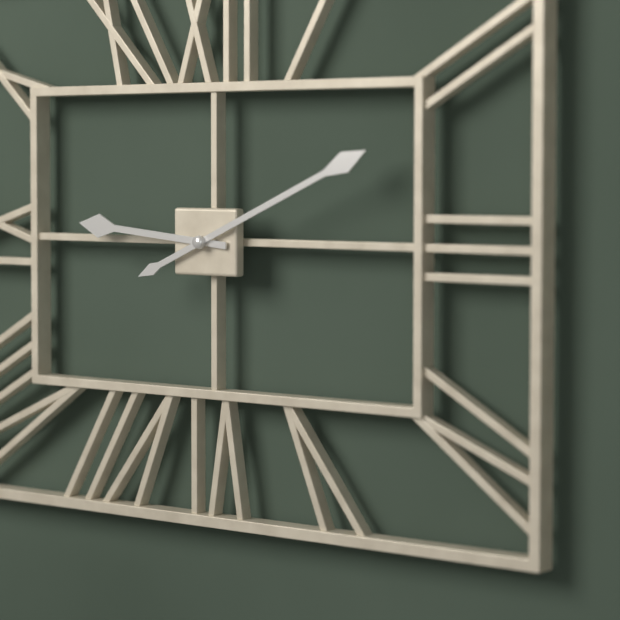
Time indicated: 9:11
